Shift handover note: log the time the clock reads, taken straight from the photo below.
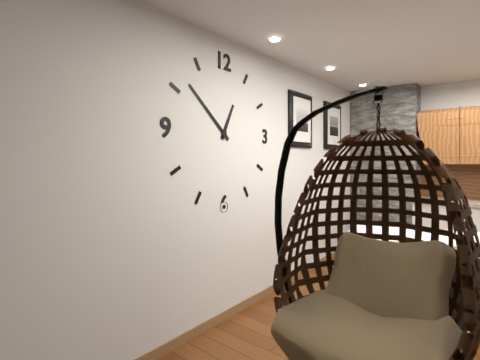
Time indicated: 12:52
